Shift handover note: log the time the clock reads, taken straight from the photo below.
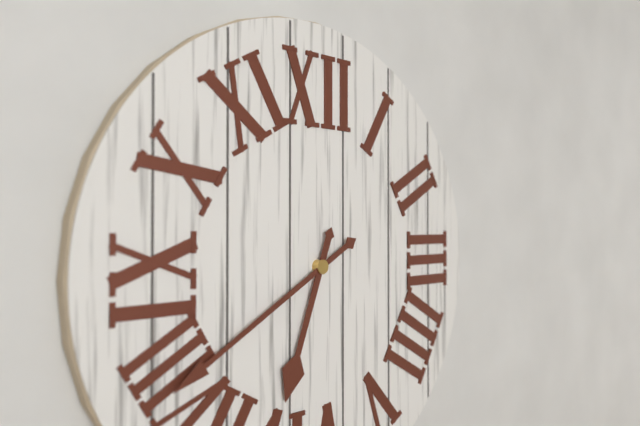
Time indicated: 6:40
